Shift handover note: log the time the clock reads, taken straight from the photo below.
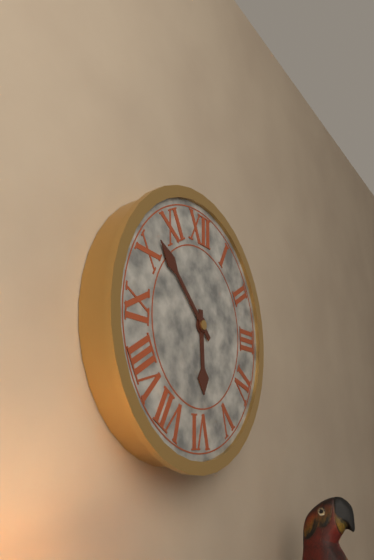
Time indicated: 5:52
